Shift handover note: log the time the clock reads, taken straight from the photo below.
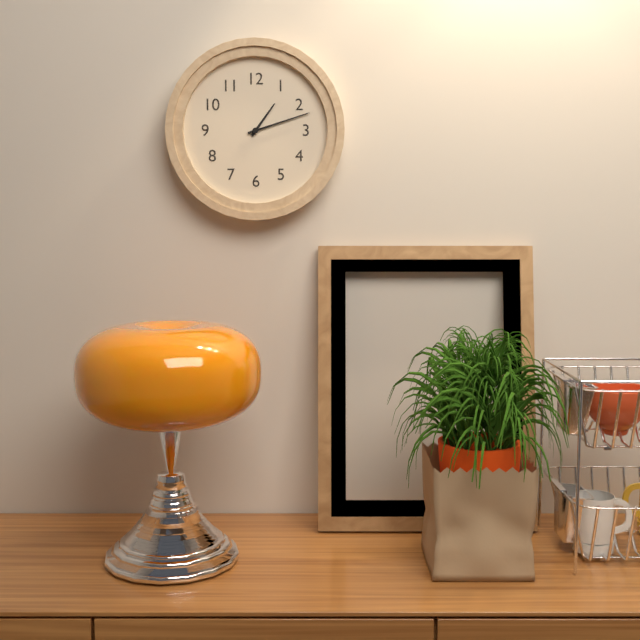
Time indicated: 1:12
